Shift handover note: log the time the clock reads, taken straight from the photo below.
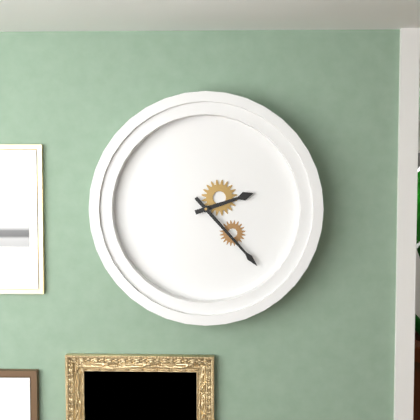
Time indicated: 2:23
